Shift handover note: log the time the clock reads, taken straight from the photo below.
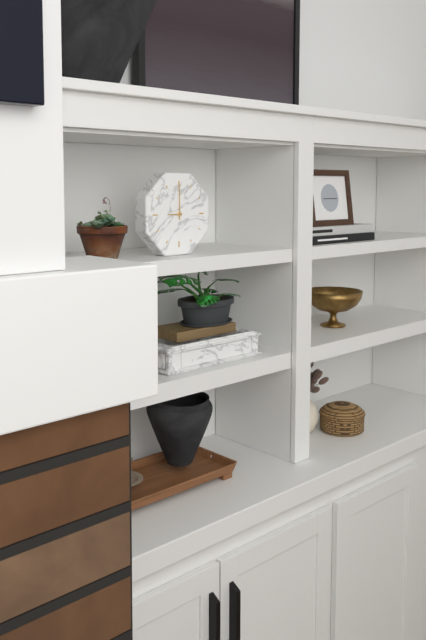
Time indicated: 9:00
